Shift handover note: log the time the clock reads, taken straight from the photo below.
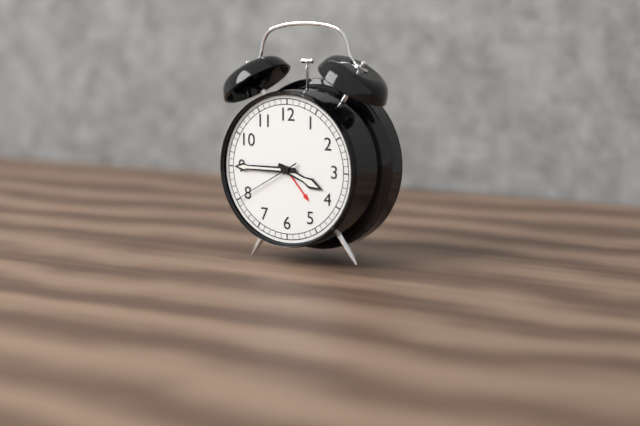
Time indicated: 3:45:40
